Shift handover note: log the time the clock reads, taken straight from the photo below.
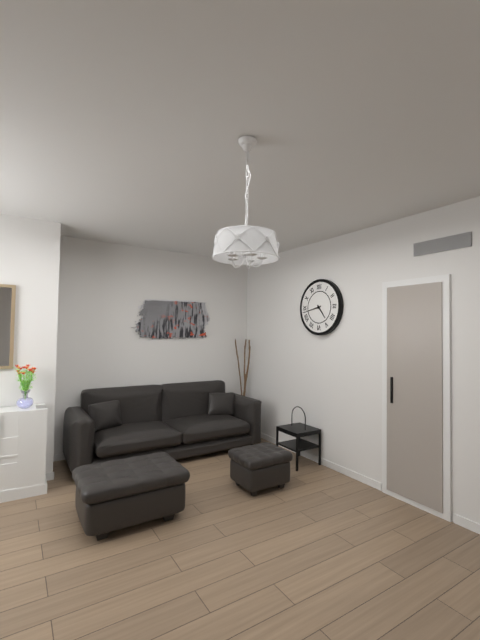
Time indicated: 4:43
